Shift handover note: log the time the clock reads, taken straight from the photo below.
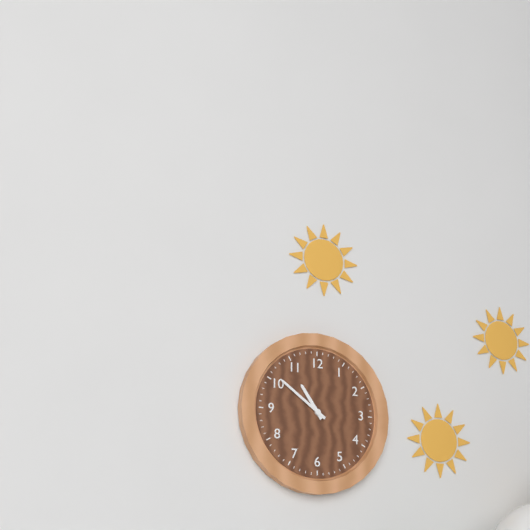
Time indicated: 10:51
